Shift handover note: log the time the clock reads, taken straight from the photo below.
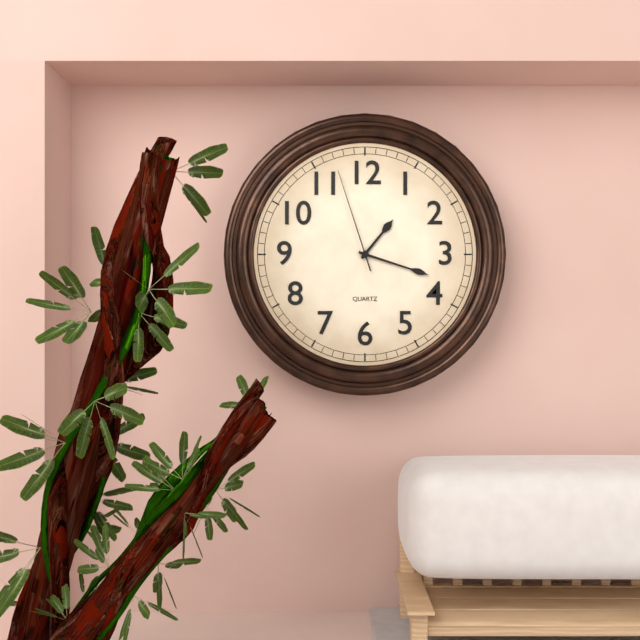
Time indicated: 1:18:57
